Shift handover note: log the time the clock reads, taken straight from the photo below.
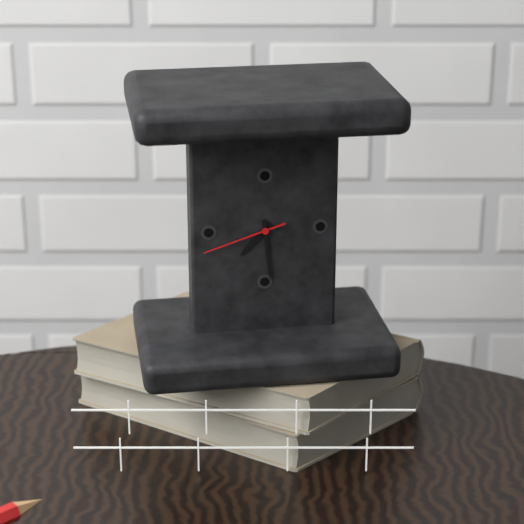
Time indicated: 7:29:42
